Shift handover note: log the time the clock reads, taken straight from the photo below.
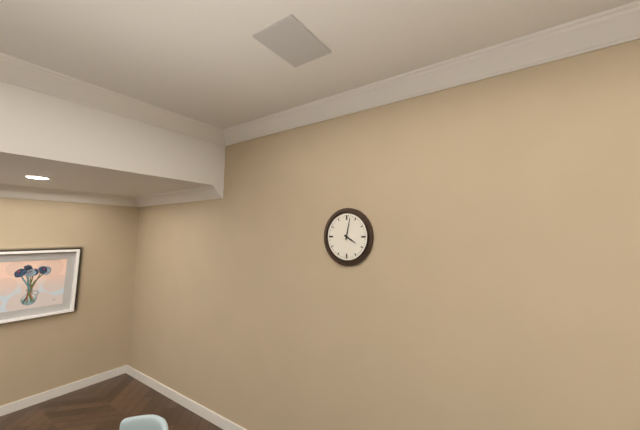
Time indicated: 4:02
